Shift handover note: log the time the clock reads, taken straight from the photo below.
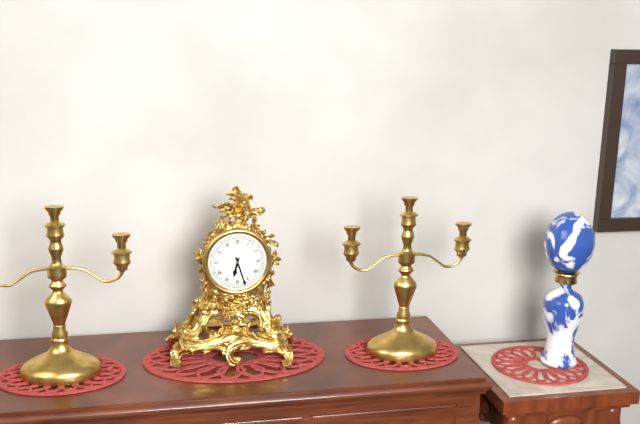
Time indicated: 6:27
